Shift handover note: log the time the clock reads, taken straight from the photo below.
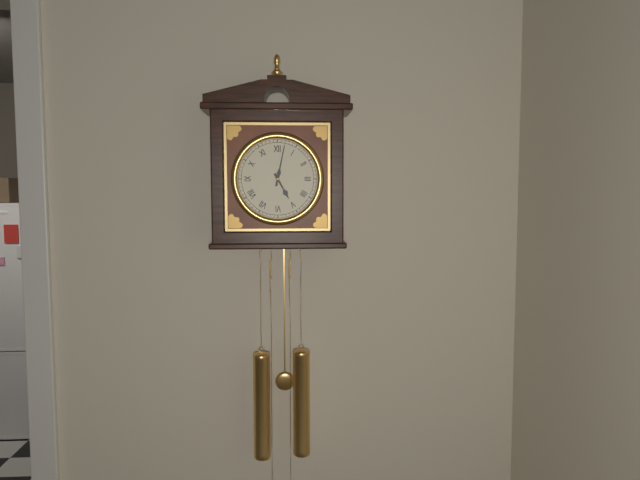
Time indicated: 5:02
